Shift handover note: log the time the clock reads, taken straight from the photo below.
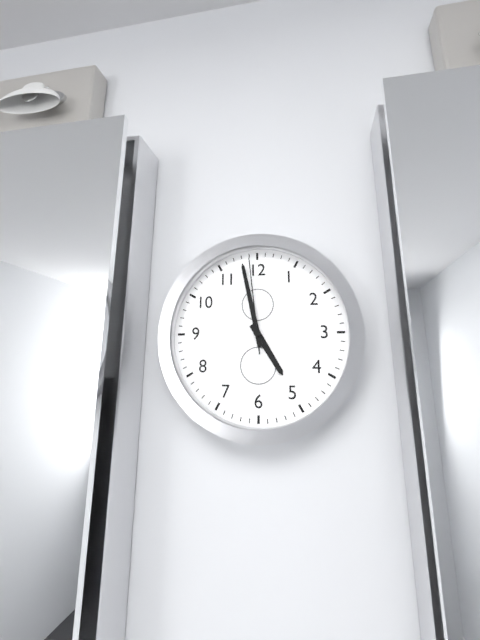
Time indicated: 4:58:59
